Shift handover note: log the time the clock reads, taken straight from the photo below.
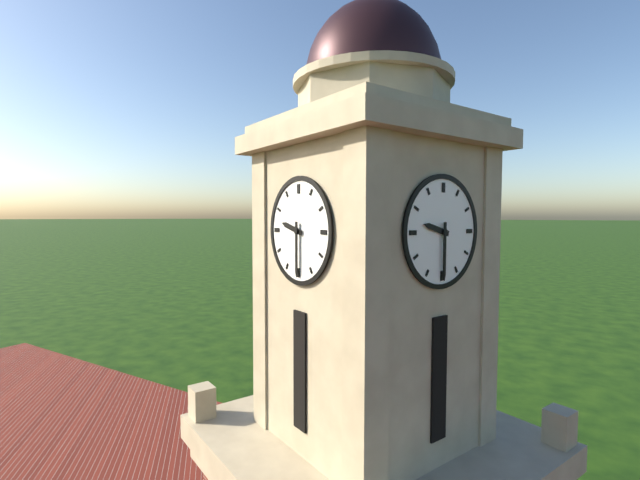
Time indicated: 9:30
